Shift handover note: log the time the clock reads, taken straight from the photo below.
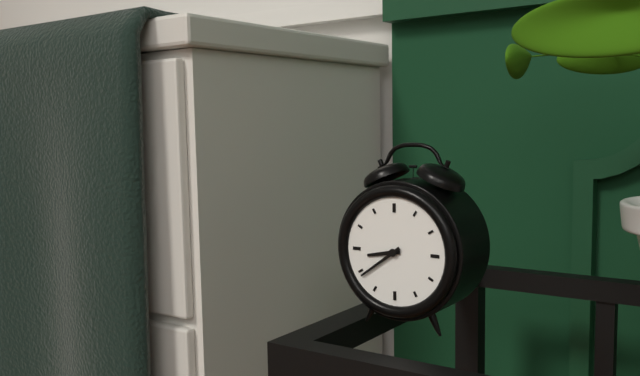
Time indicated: 8:39
